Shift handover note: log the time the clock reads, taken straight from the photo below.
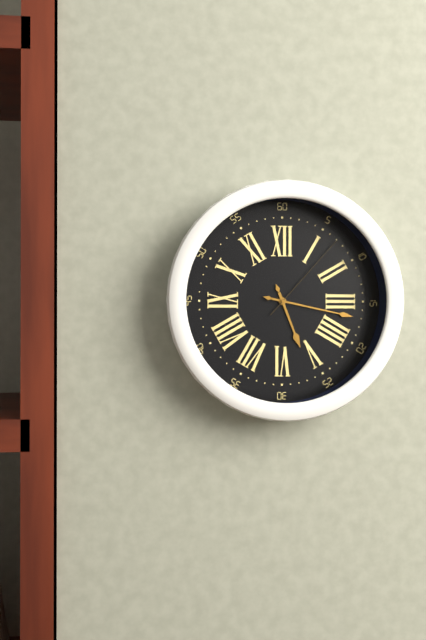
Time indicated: 5:17:07
